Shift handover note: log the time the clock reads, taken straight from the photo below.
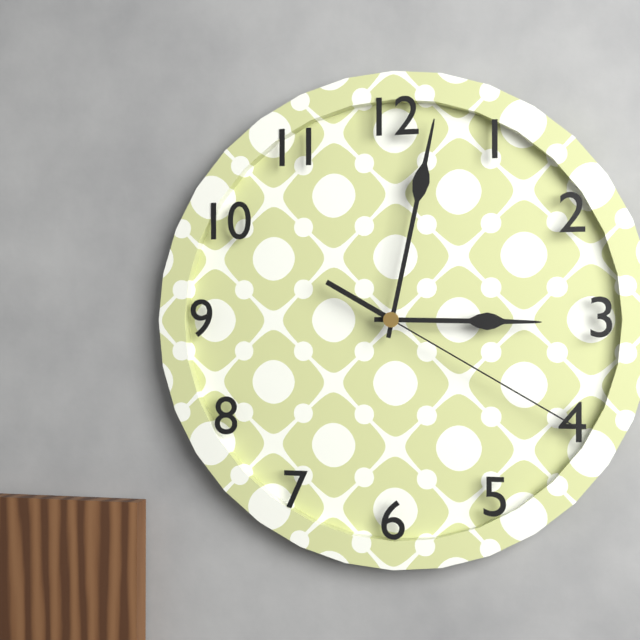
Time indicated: 3:02:20
